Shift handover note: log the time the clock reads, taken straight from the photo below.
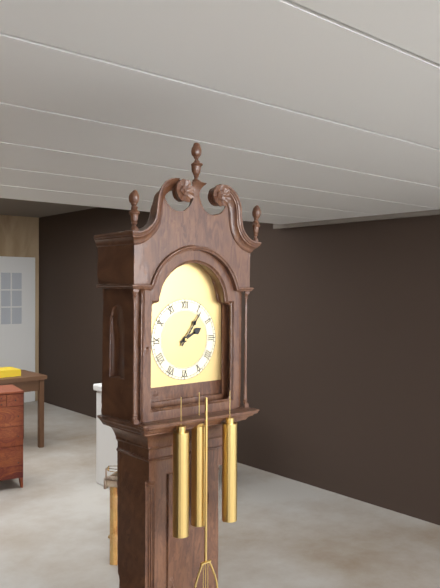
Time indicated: 2:06
